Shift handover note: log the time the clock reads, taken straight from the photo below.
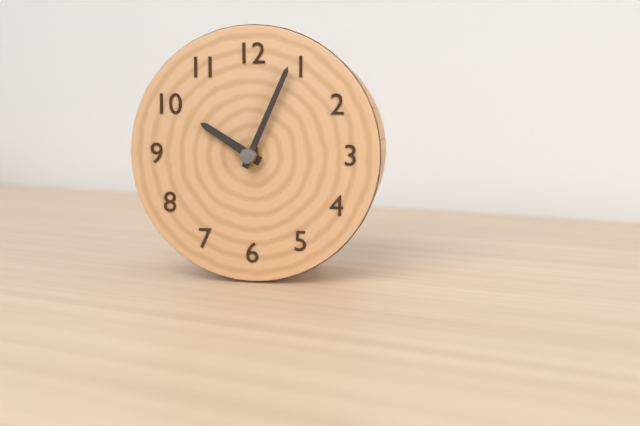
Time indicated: 10:04
